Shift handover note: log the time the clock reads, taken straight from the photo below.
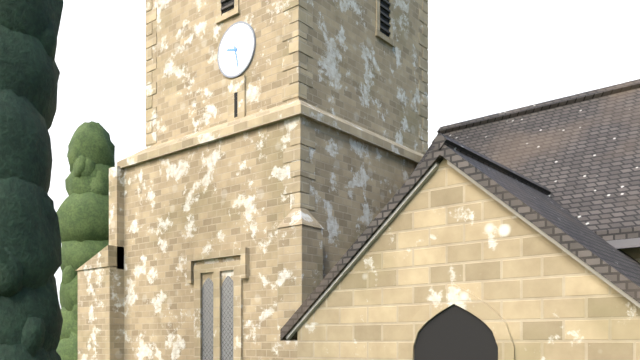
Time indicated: 9:28
